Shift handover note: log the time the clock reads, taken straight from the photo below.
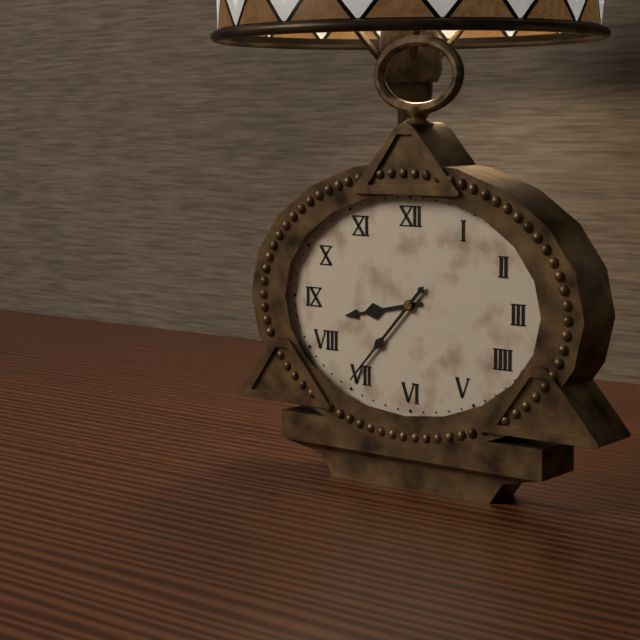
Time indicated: 8:37
